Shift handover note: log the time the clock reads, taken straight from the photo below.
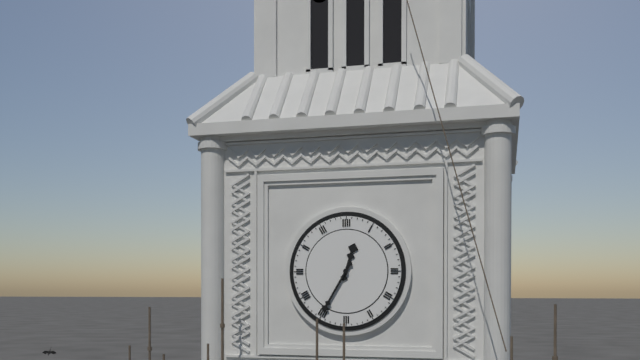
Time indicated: 12:35
